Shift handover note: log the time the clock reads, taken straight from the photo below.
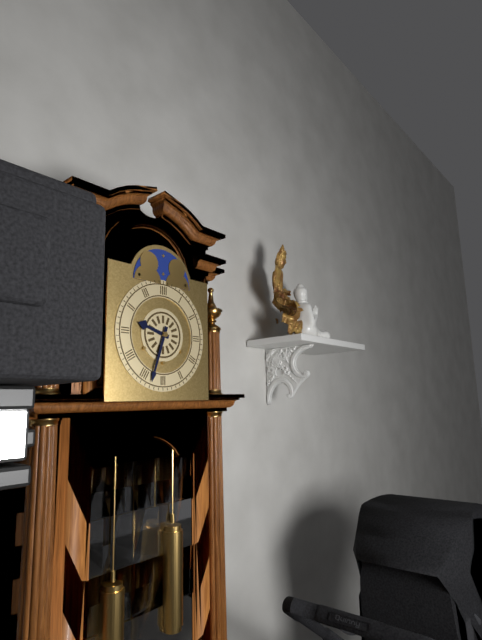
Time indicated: 9:33
